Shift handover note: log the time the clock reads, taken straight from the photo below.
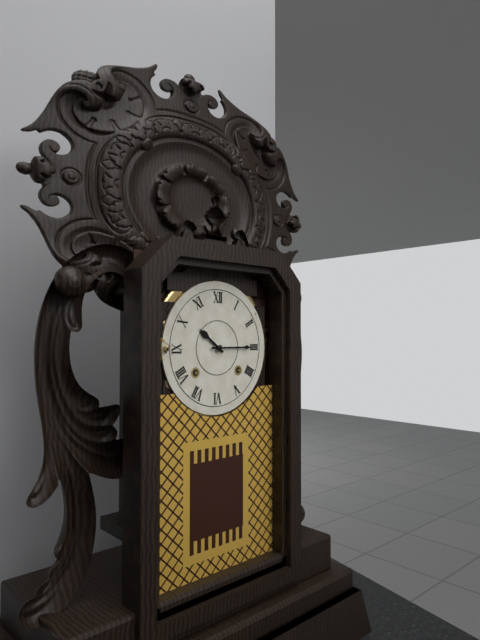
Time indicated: 10:15
